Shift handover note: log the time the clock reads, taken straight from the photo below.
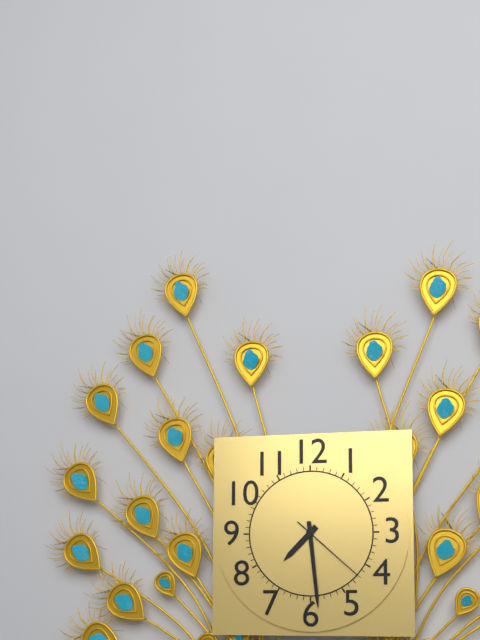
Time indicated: 7:29:22
